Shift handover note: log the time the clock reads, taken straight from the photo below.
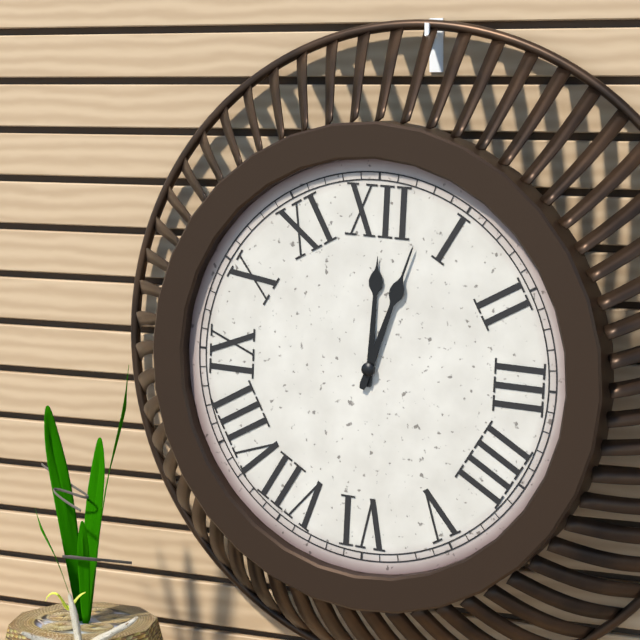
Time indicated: 12:03
